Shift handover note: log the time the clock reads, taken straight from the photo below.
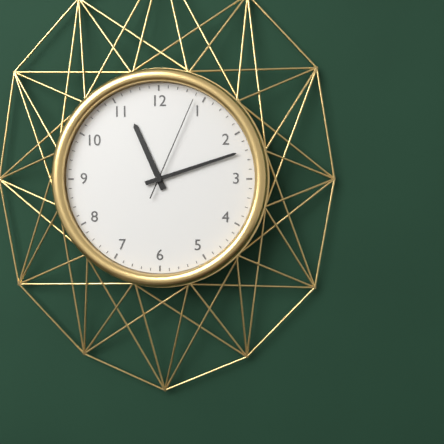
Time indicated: 11:12:04
